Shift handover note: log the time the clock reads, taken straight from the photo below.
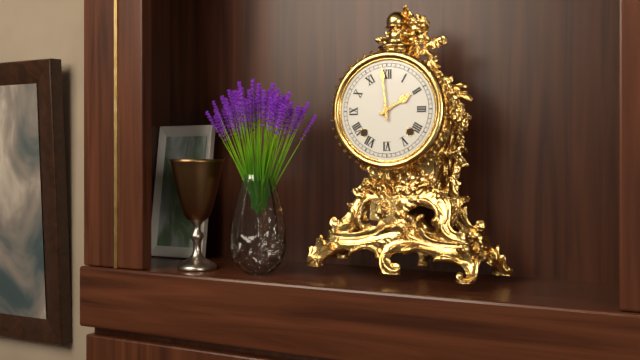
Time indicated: 1:59
